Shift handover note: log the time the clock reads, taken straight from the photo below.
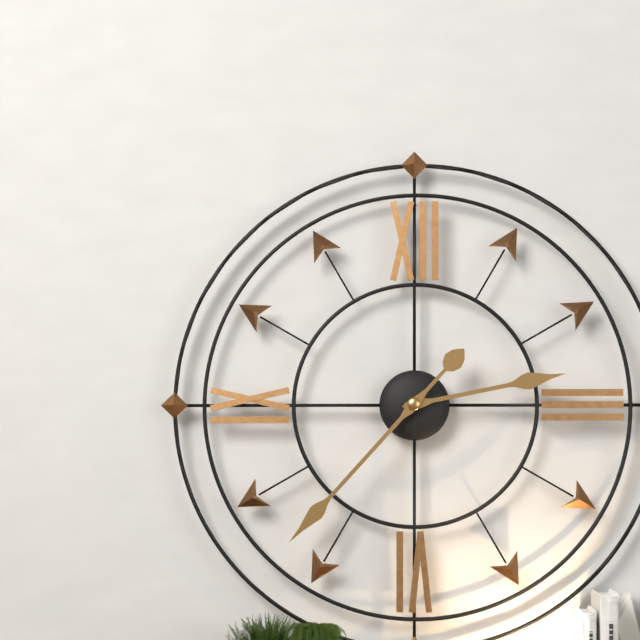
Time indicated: 2:37
